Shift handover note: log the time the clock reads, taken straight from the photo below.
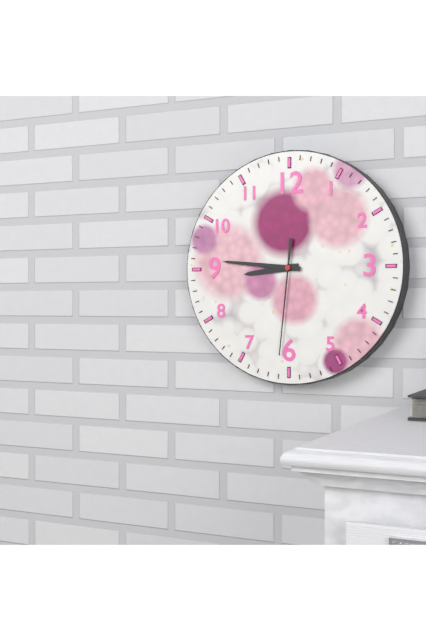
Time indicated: 8:46:31
